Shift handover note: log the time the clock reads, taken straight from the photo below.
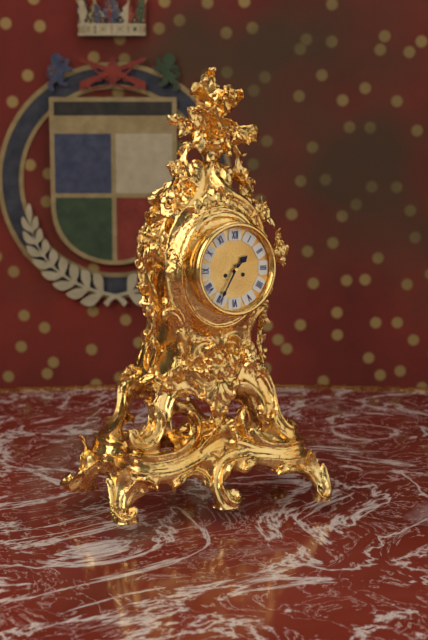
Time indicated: 1:35
